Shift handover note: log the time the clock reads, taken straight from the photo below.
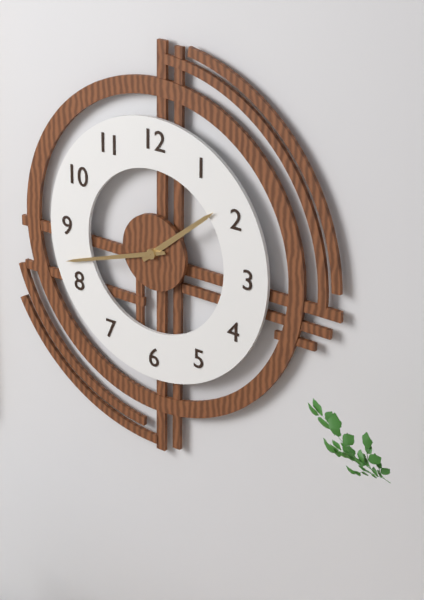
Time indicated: 1:42
